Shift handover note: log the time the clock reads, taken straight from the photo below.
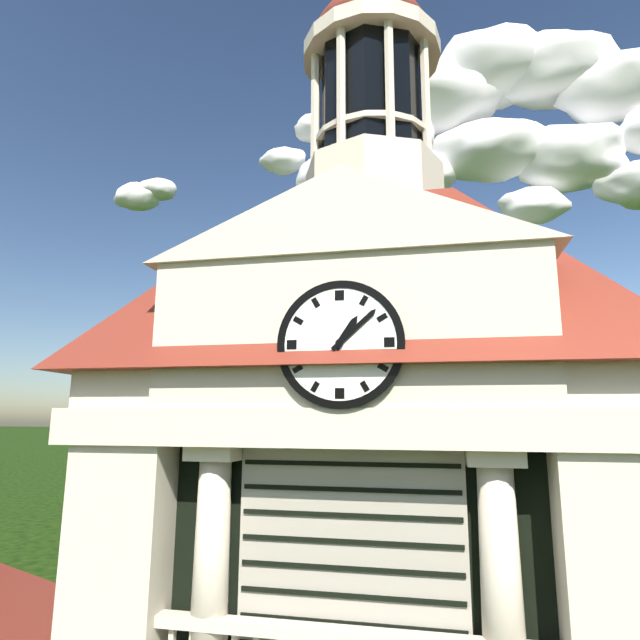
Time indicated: 1:08
